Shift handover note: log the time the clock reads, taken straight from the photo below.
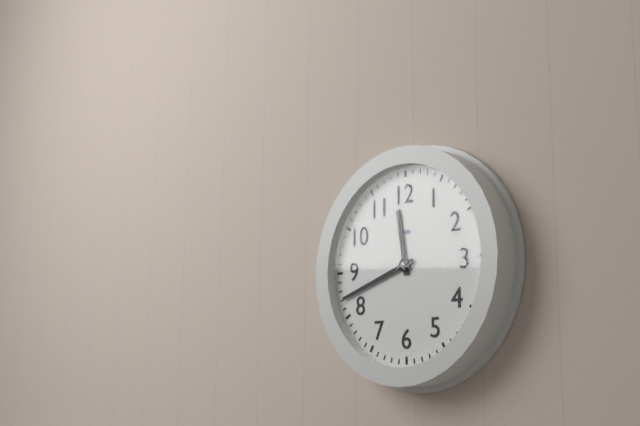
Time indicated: 11:42
